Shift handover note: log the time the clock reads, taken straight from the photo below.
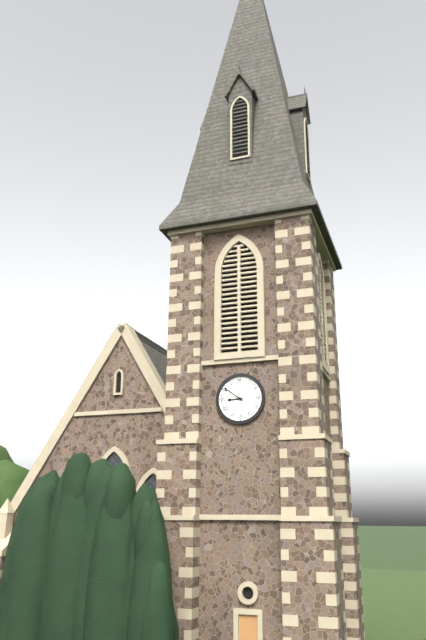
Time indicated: 8:51
